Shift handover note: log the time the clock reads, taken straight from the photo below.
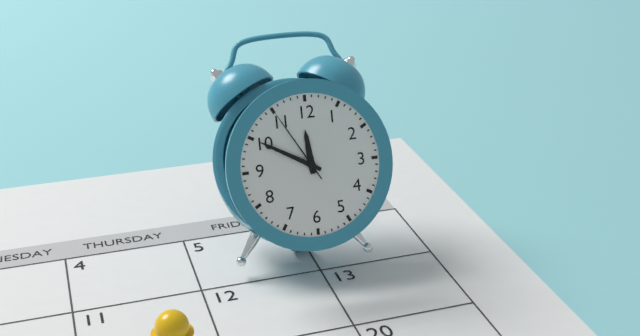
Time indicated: 11:50:55
